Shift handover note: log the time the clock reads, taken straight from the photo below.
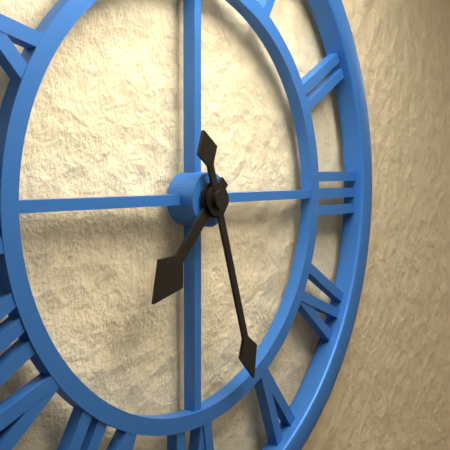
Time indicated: 7:27
